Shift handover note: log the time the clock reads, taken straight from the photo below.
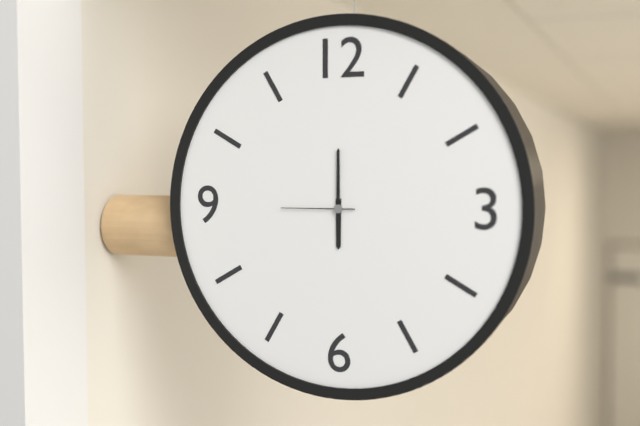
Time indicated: 6:00:45
